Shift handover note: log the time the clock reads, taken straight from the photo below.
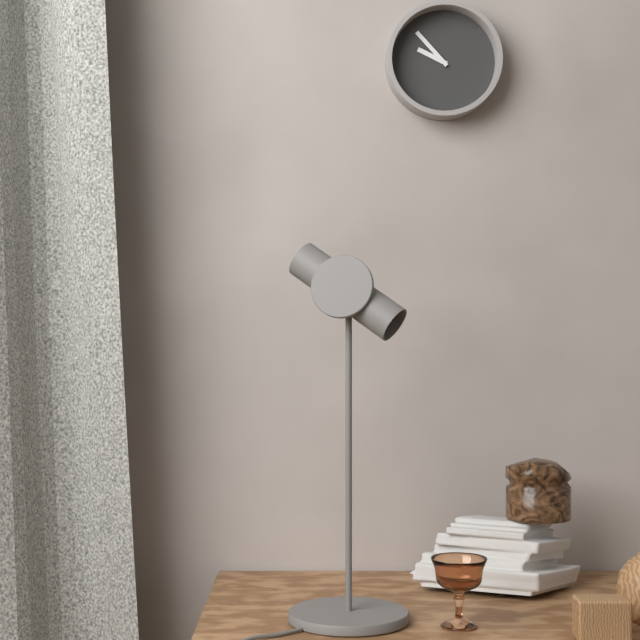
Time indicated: 9:53
